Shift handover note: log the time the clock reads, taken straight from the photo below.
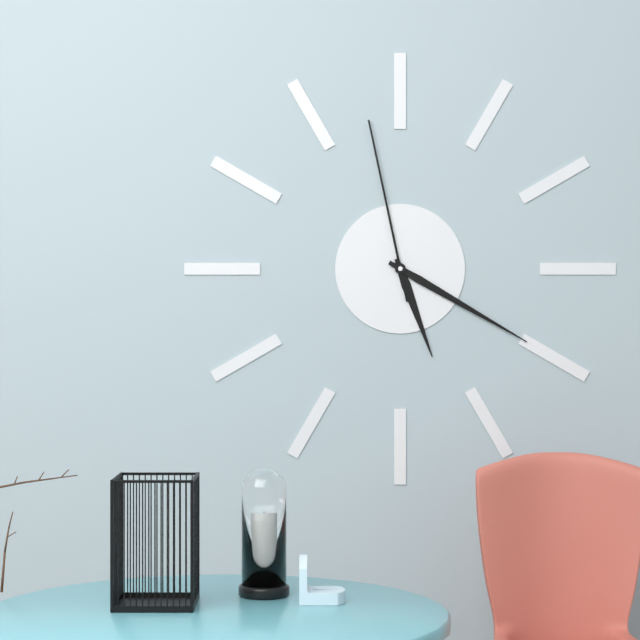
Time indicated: 5:20:58
